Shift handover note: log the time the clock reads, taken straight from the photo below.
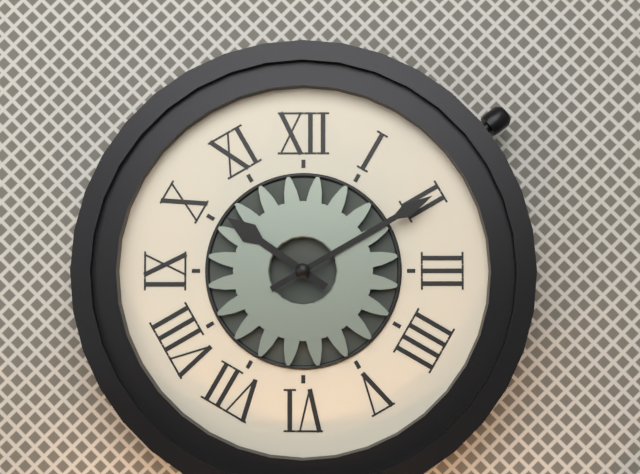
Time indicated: 10:10
